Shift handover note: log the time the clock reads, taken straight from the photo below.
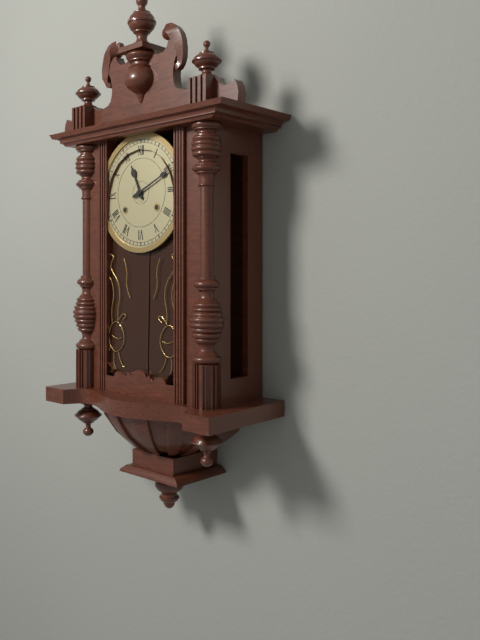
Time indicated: 11:11
